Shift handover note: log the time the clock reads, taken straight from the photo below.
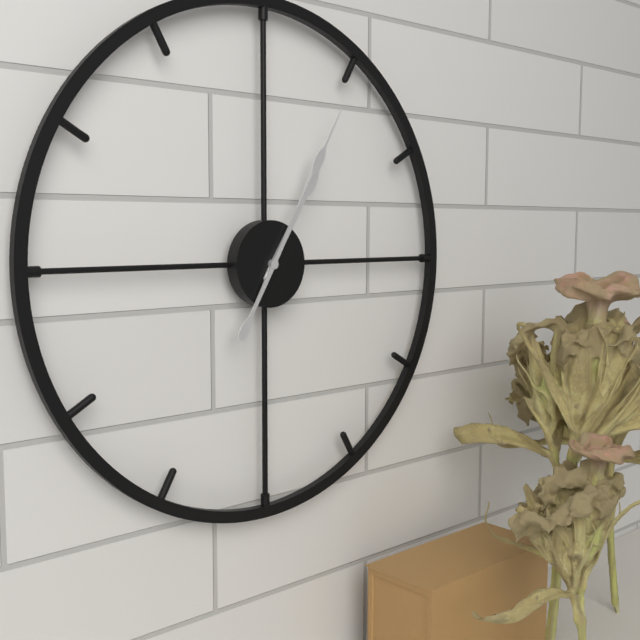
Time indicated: 1:05
